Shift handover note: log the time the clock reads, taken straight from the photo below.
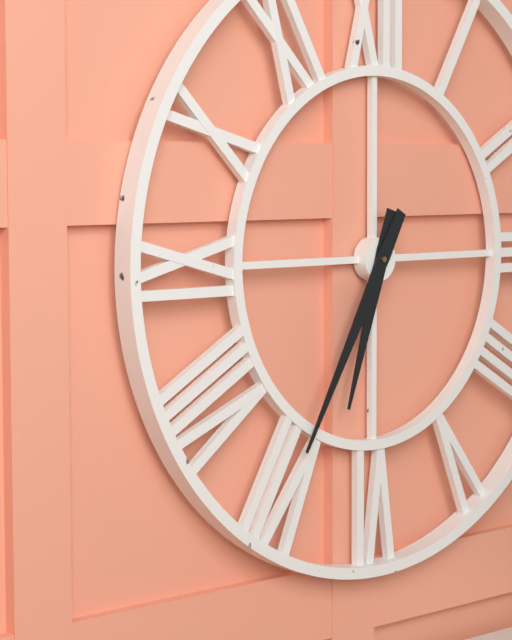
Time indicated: 6:35
